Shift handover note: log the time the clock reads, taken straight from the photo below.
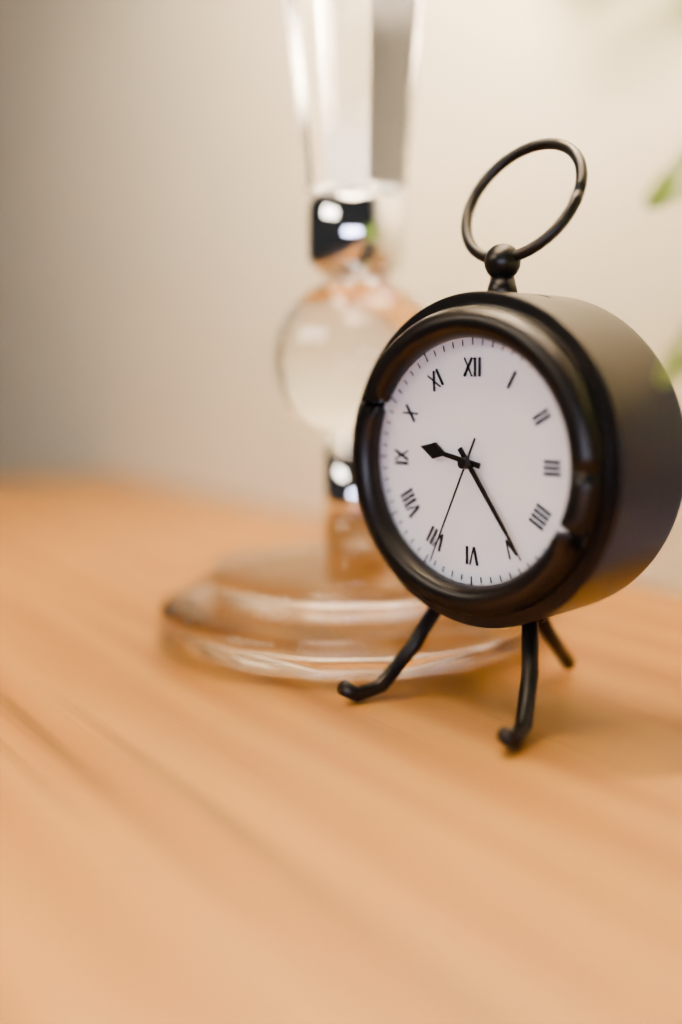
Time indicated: 9:24:34
